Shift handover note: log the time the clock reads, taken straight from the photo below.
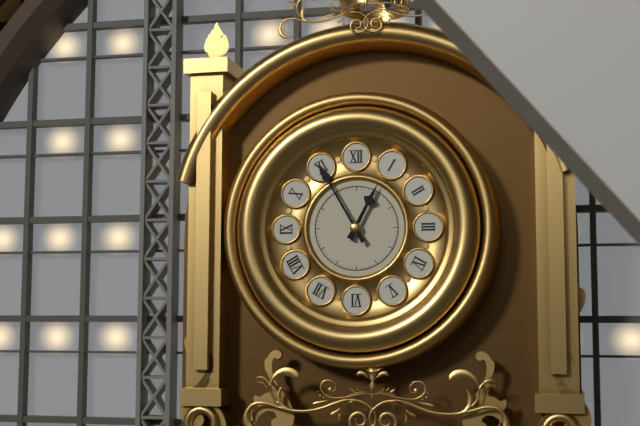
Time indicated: 12:55
